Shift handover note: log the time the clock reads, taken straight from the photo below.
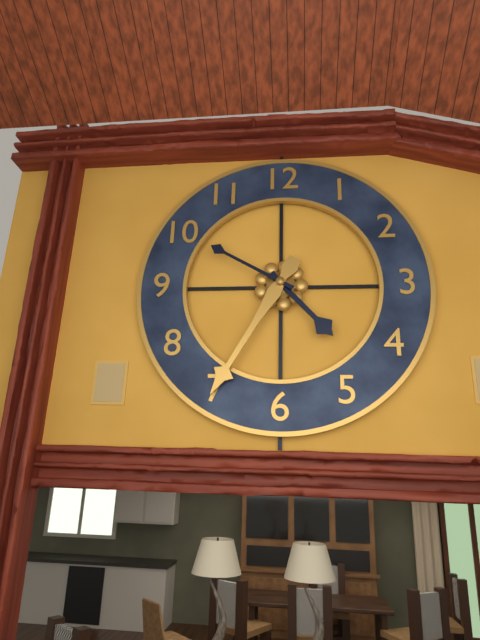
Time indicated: 4:35:50
